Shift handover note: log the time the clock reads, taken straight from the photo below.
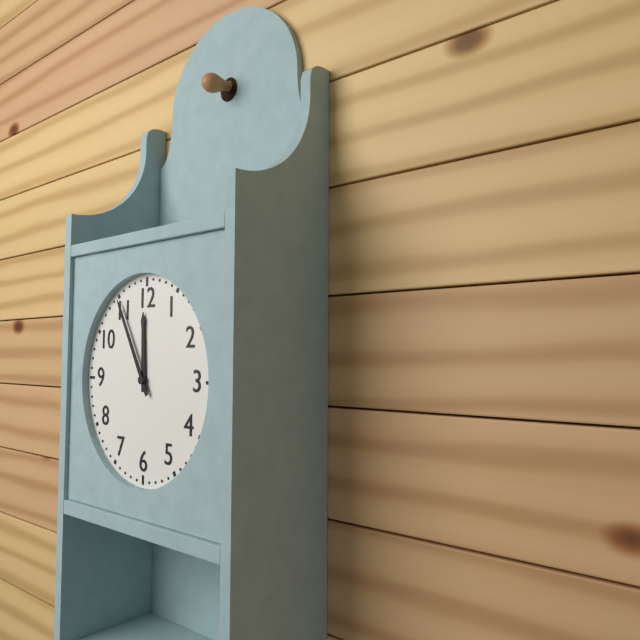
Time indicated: 11:55
